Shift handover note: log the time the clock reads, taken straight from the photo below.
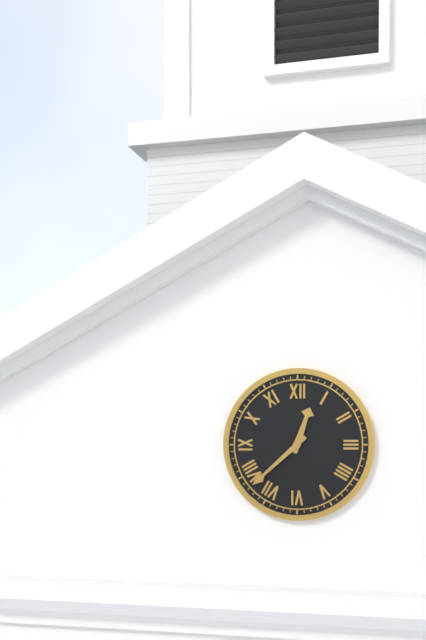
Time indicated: 12:38
